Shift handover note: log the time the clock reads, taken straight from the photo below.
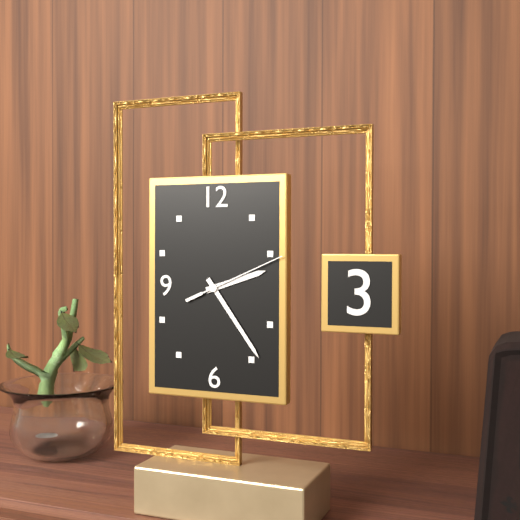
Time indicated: 2:24:11
